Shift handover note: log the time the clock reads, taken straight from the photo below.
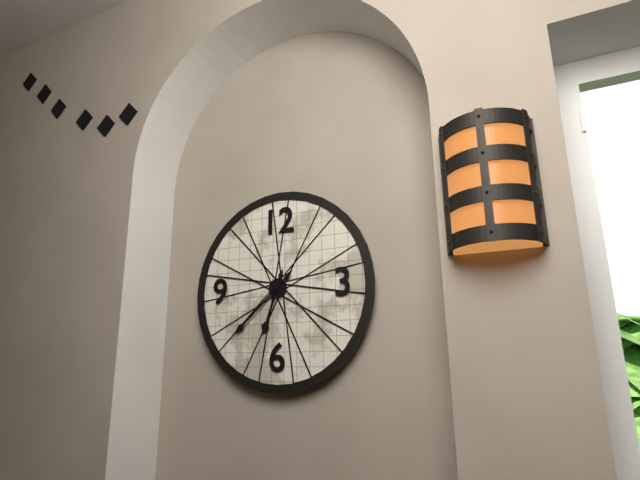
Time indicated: 6:38
